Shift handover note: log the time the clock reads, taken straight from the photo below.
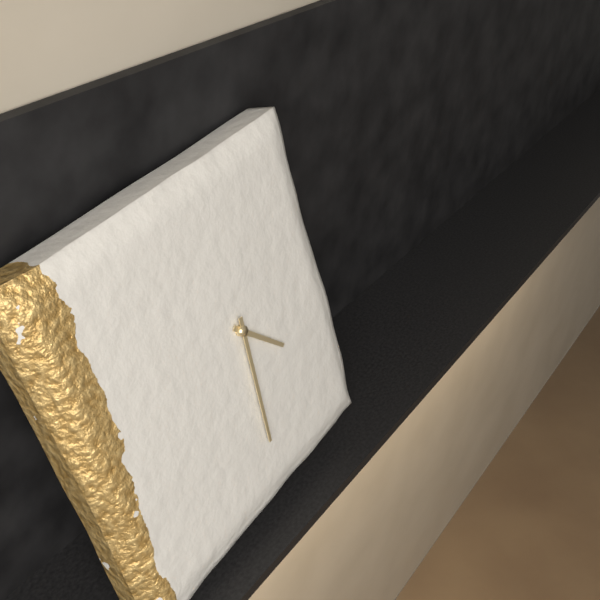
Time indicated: 4:31
